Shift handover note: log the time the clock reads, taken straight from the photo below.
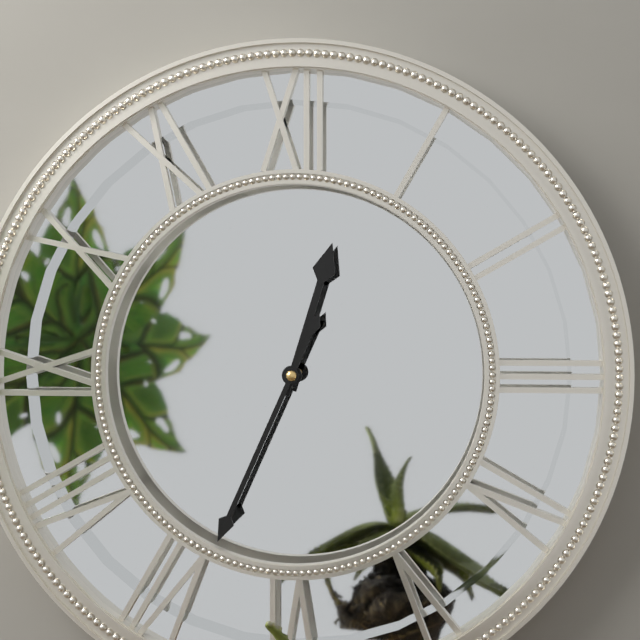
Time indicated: 12:34
